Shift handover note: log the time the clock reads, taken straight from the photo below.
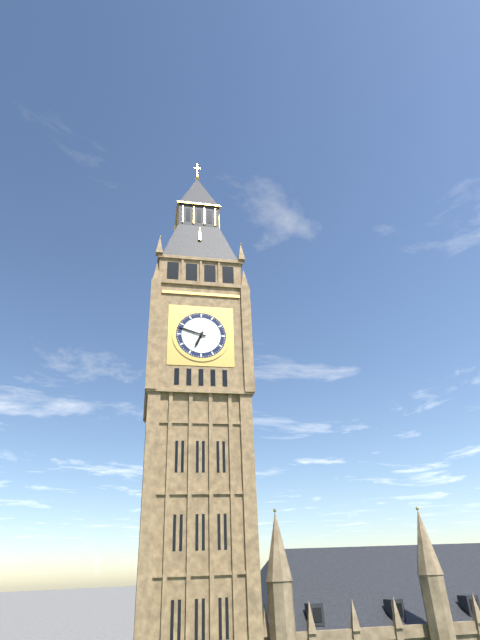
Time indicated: 6:48
